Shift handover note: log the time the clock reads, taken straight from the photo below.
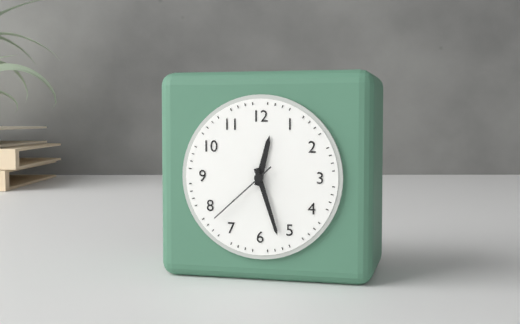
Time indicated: 12:27:38
